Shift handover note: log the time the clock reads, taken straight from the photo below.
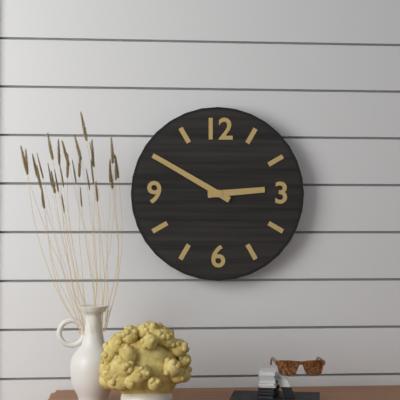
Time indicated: 2:50
